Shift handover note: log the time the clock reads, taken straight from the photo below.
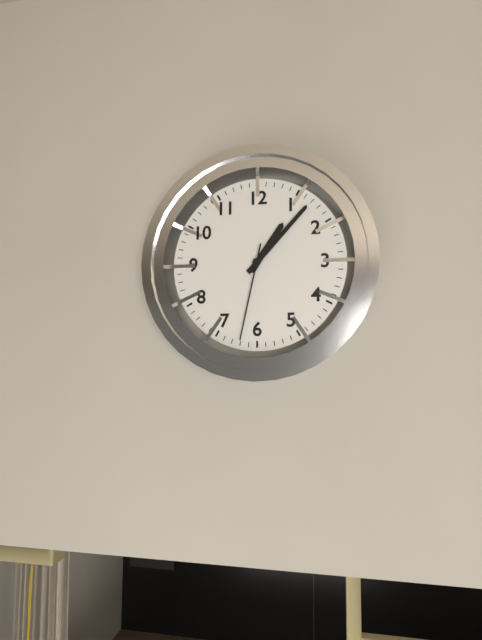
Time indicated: 1:07:32
